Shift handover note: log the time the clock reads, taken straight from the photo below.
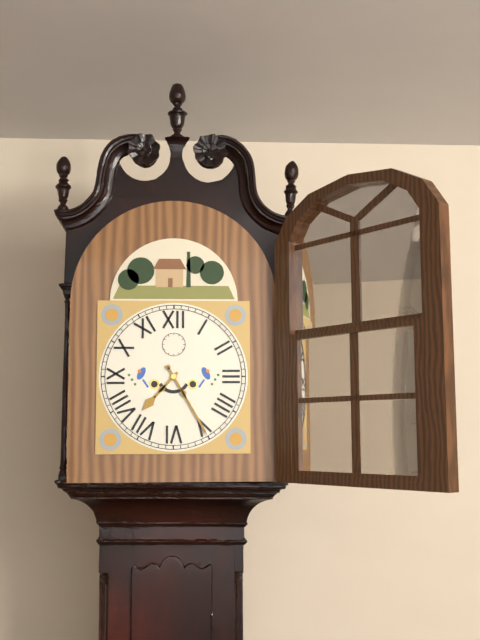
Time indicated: 7:25
